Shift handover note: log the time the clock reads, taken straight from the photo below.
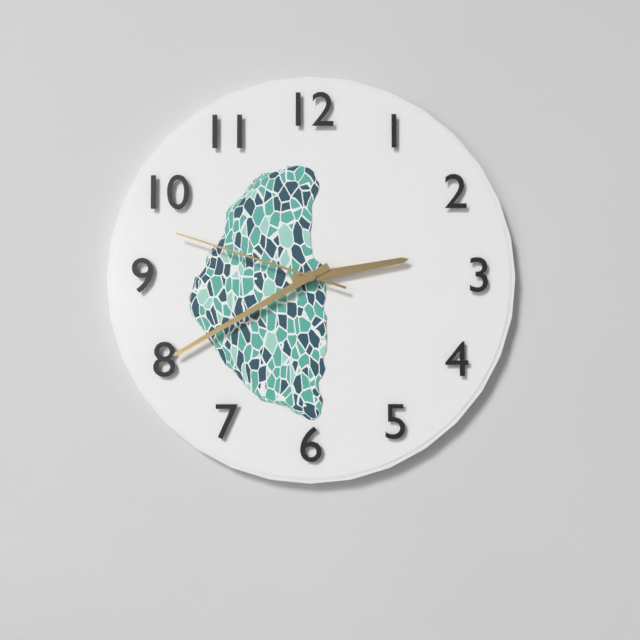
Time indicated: 2:40:48
